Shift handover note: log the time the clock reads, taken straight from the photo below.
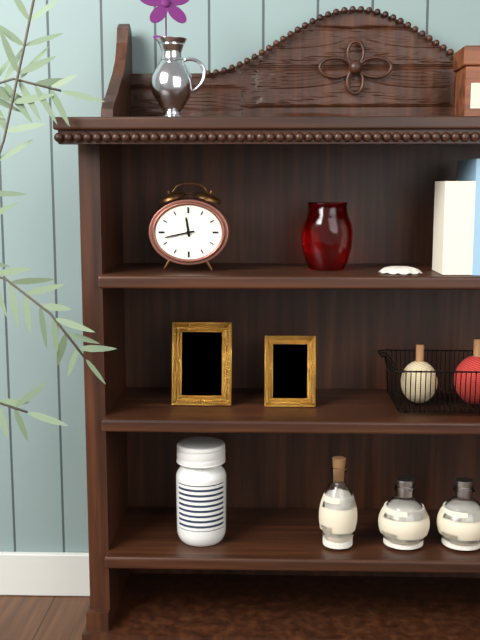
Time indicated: 11:43
